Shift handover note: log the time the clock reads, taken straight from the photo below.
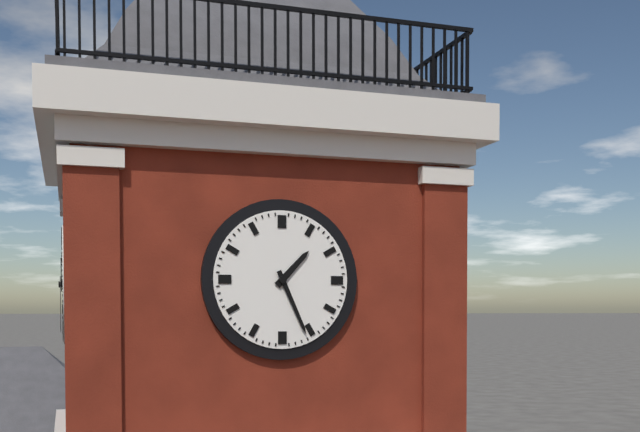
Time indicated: 1:26
